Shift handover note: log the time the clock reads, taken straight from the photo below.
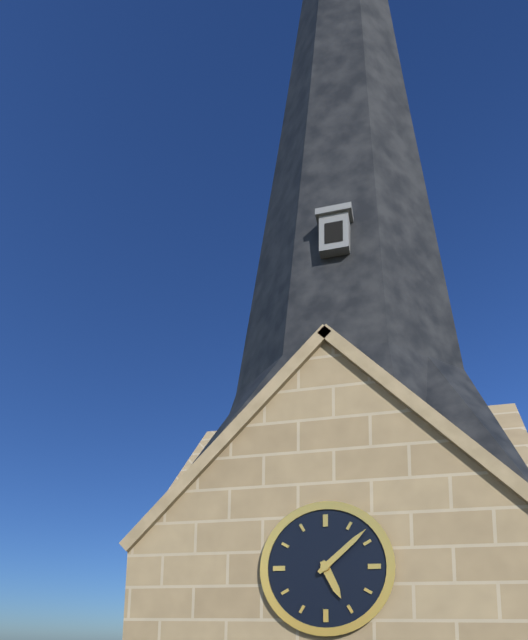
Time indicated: 5:08
